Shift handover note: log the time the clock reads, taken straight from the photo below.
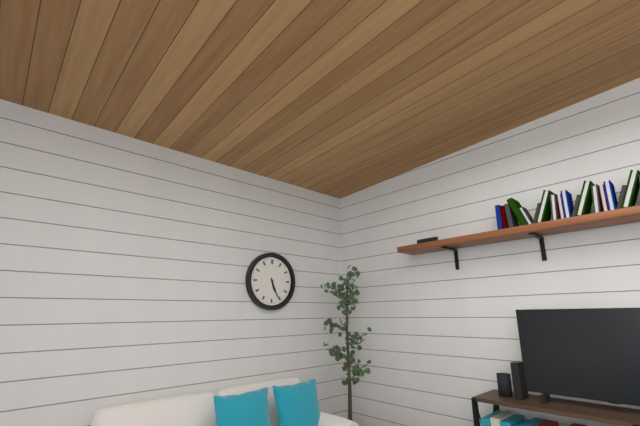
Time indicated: 5:26
